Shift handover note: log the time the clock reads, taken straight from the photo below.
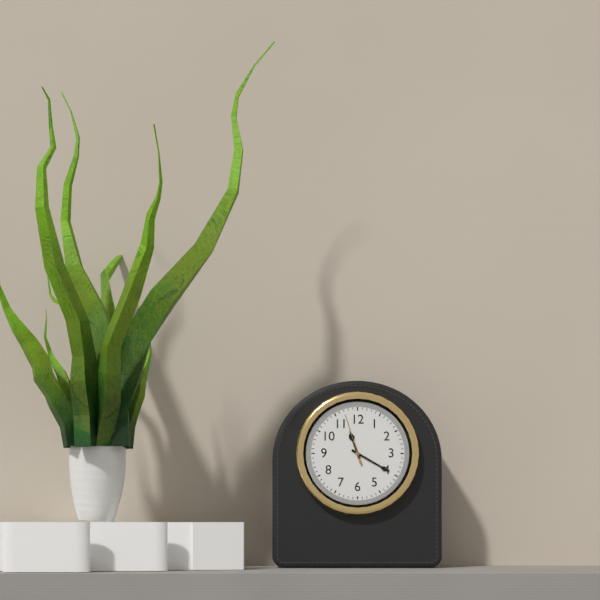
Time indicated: 11:20:57
